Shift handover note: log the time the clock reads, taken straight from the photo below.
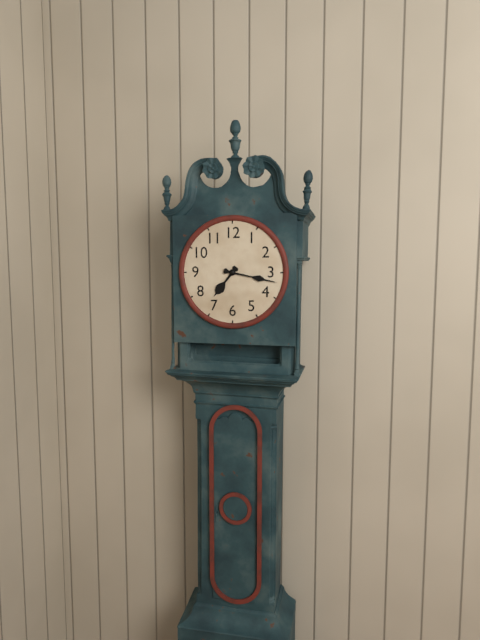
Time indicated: 7:17
